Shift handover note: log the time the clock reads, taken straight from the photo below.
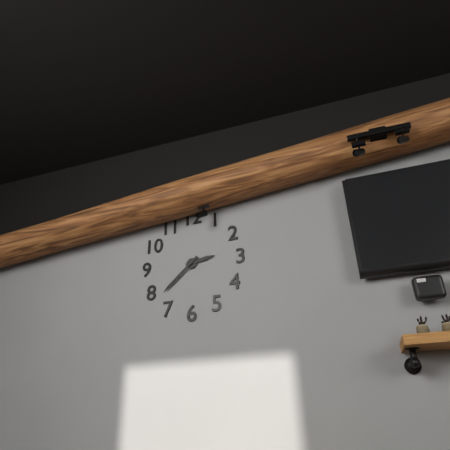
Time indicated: 2:38
